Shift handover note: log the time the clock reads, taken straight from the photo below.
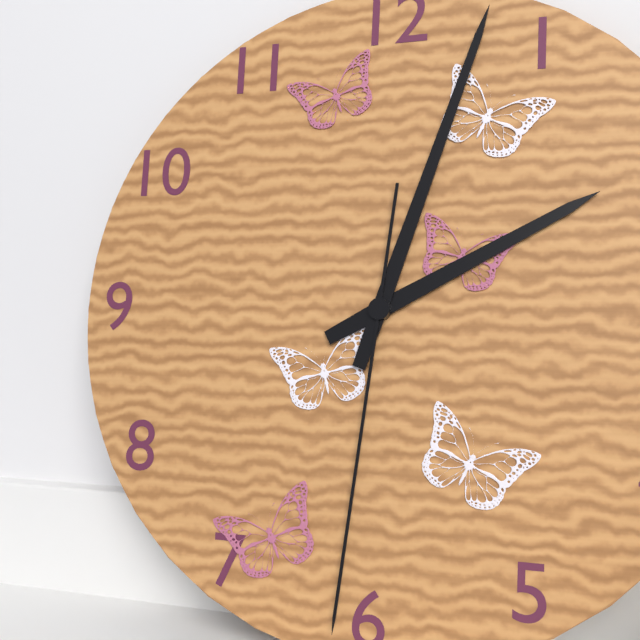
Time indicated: 2:03:31
